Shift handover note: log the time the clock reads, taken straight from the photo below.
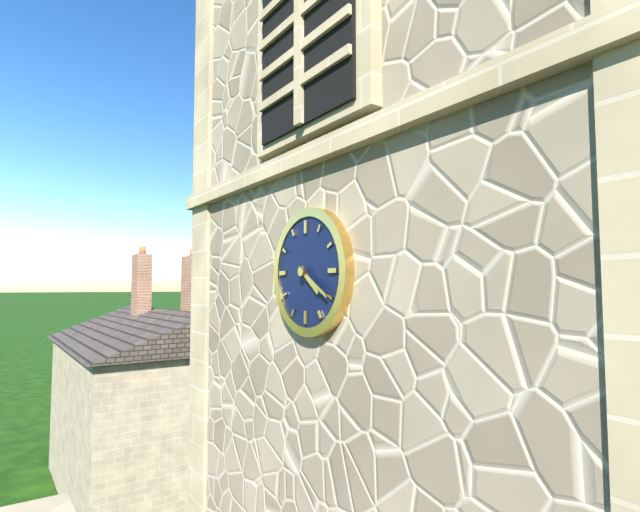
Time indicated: 4:20
